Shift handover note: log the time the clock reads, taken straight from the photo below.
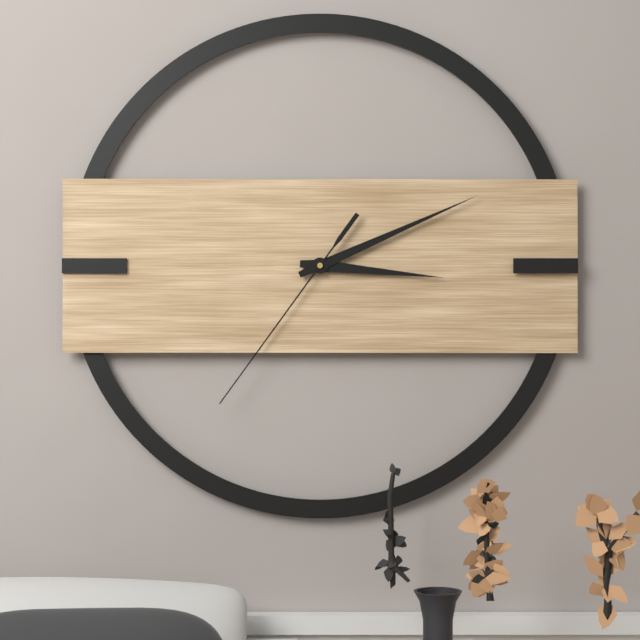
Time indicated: 3:11:36
